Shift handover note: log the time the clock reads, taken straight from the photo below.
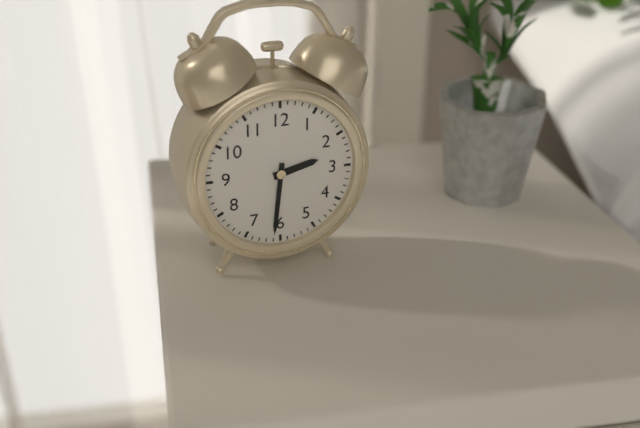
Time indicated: 2:31
